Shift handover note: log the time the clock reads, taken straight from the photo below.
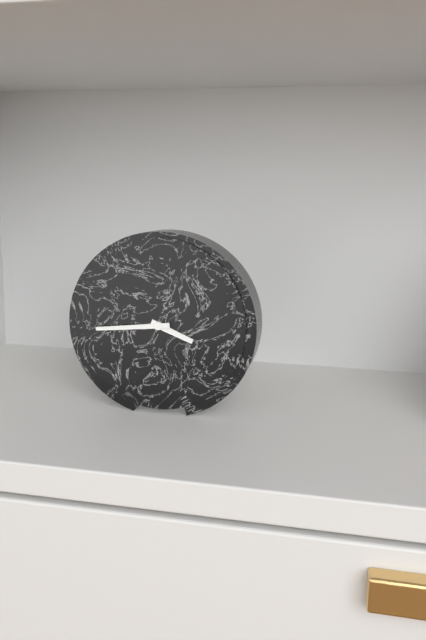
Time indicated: 3:44
